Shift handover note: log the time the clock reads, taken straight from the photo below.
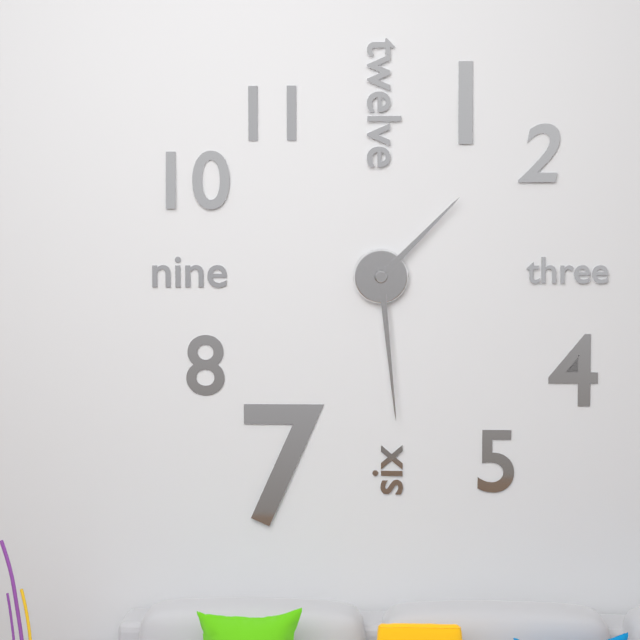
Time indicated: 1:29
